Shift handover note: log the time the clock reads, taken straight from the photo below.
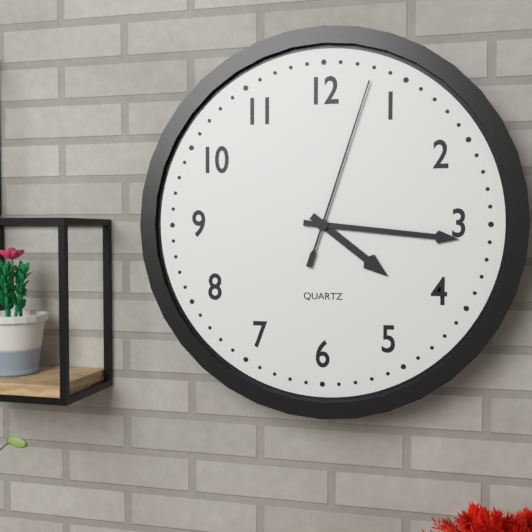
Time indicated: 4:16:03
